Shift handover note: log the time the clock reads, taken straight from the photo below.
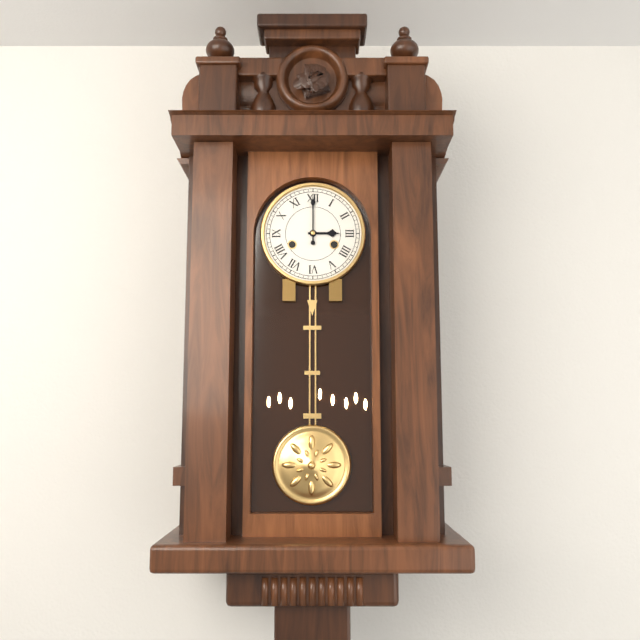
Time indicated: 3:00
